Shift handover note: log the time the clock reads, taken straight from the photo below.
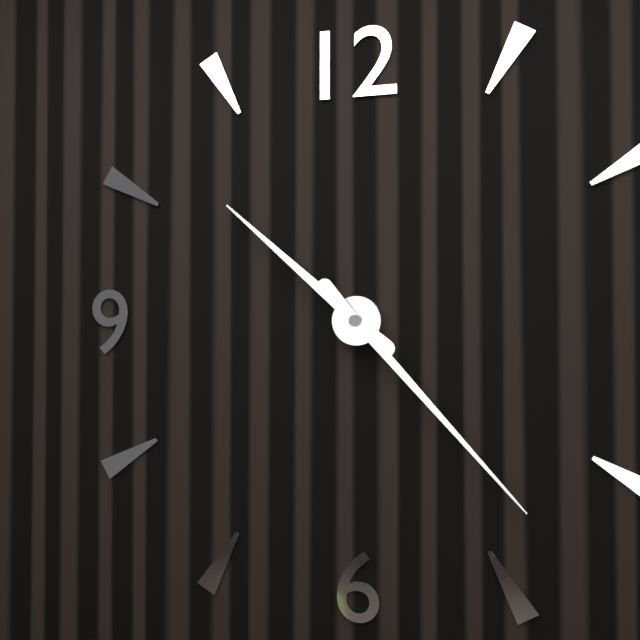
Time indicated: 10:23
